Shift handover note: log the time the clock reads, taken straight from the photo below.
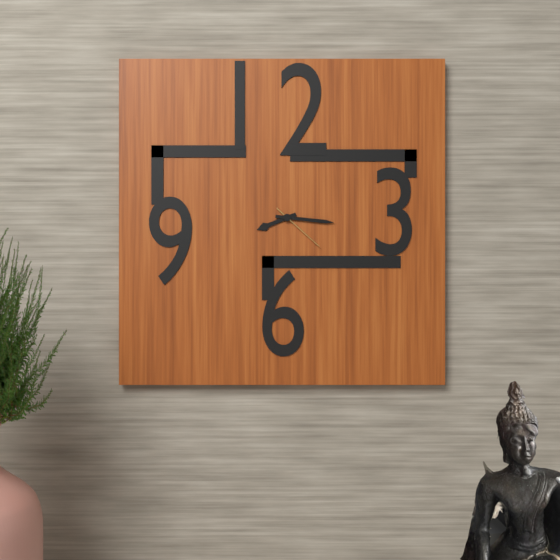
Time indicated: 8:16:22
